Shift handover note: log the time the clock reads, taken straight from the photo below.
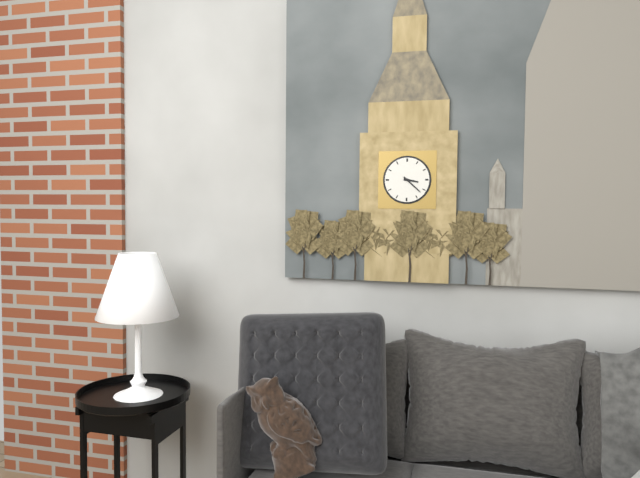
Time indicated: 3:22
